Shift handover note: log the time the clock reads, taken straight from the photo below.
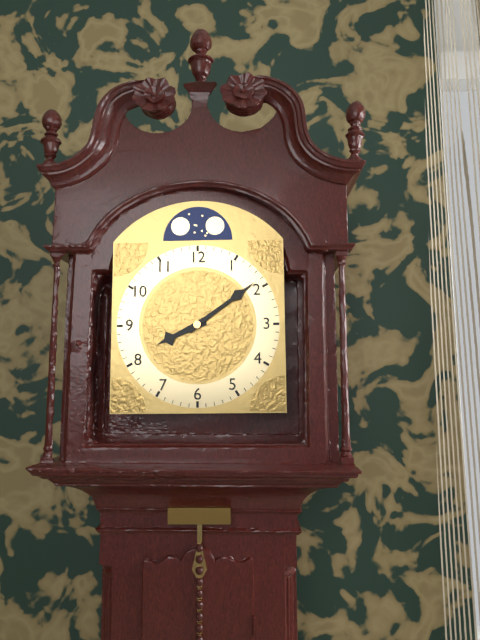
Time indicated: 8:09
